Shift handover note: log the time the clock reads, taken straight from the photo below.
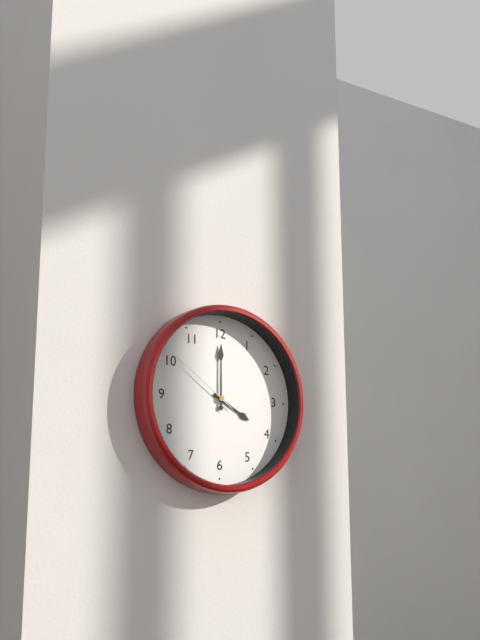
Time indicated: 4:00:51
